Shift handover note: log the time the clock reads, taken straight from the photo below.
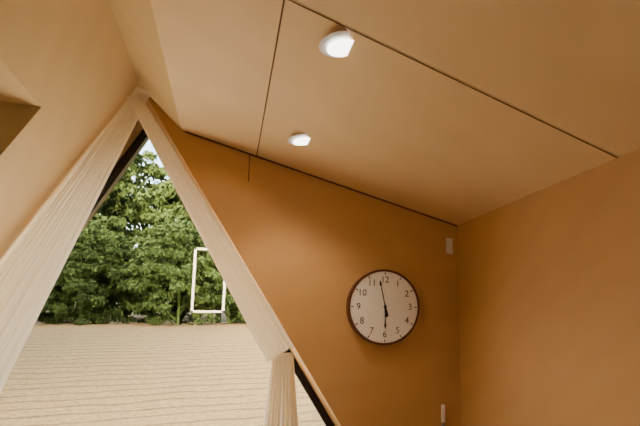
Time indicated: 5:58
